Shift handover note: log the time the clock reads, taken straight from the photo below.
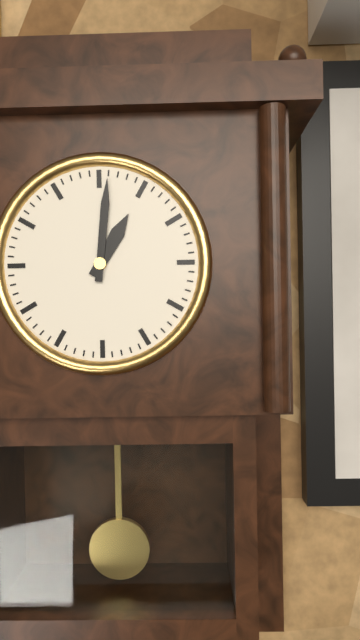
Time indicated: 1:01
